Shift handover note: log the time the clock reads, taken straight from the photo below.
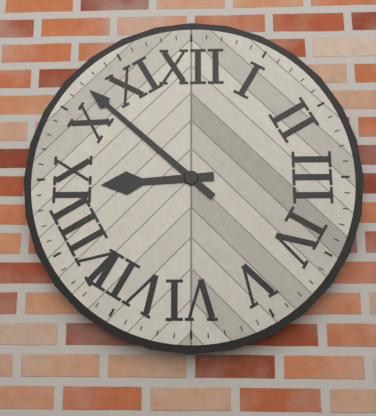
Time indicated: 8:52
